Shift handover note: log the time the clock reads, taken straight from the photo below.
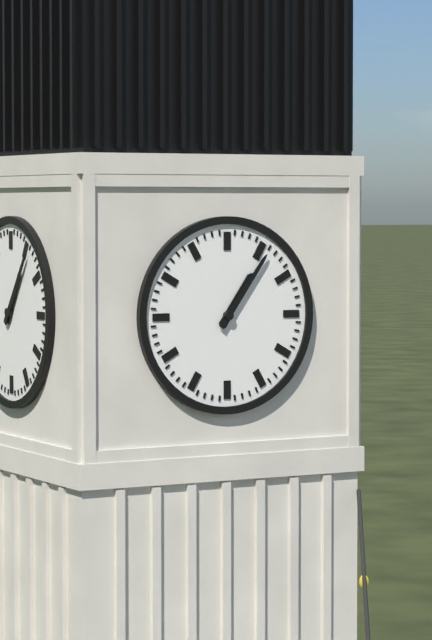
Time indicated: 1:06
